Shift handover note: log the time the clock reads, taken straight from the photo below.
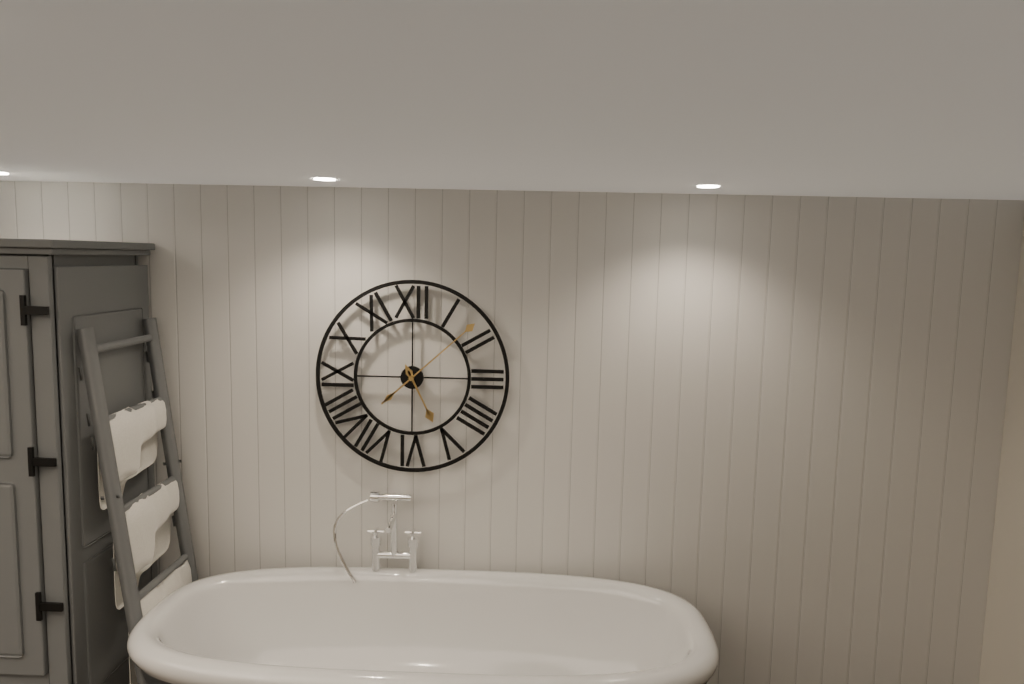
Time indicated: 5:08
